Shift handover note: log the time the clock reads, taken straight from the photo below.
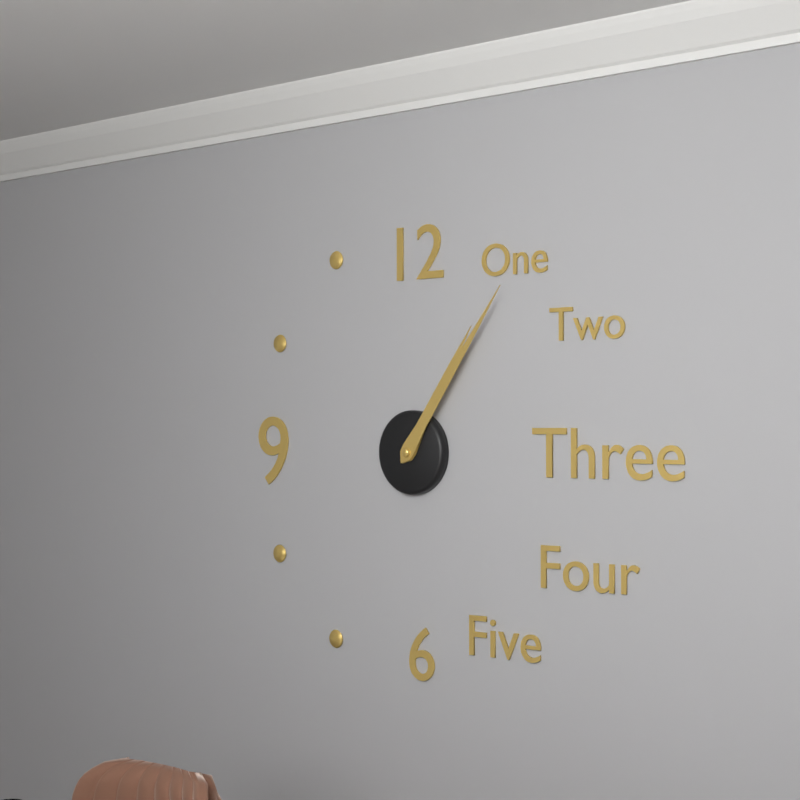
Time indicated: 1:06
